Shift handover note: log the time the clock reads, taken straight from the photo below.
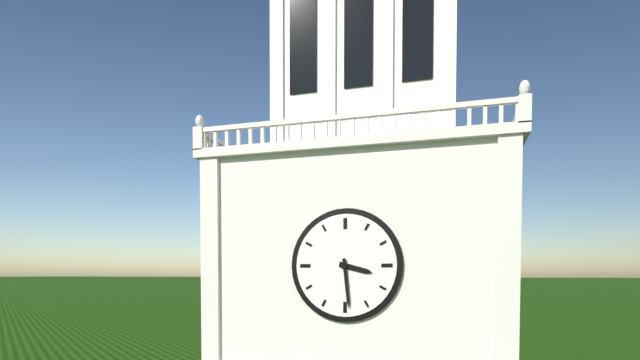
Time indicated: 3:29
